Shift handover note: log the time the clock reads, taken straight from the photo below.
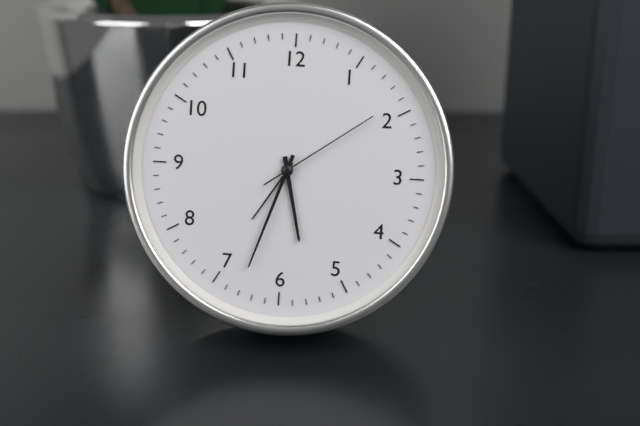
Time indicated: 5:33:09
